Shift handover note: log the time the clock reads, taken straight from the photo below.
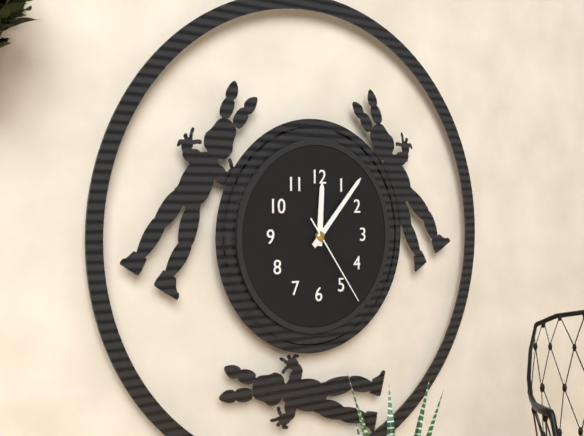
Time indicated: 12:07:24
